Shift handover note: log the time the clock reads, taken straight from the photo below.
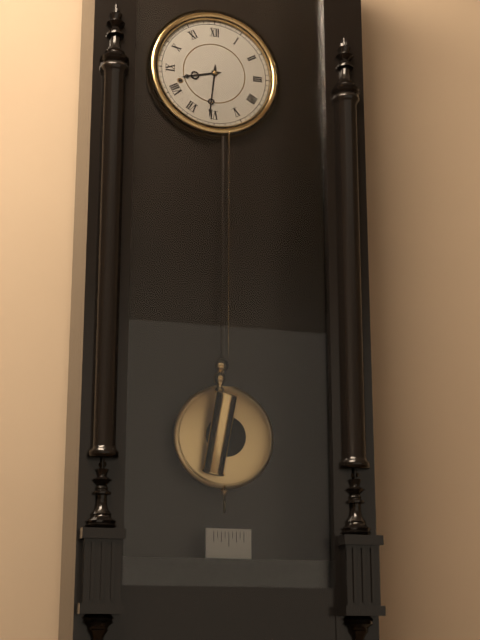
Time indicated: 8:31
